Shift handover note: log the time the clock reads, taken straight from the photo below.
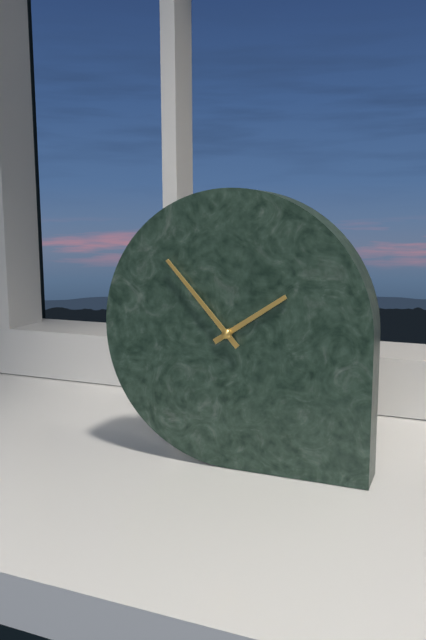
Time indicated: 1:53
